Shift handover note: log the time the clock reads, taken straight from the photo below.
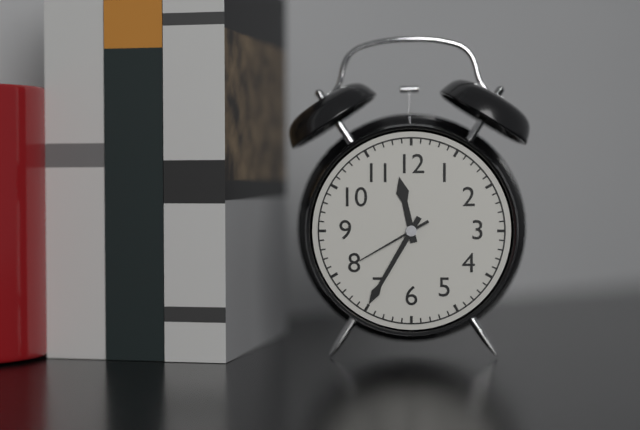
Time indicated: 11:35:40
